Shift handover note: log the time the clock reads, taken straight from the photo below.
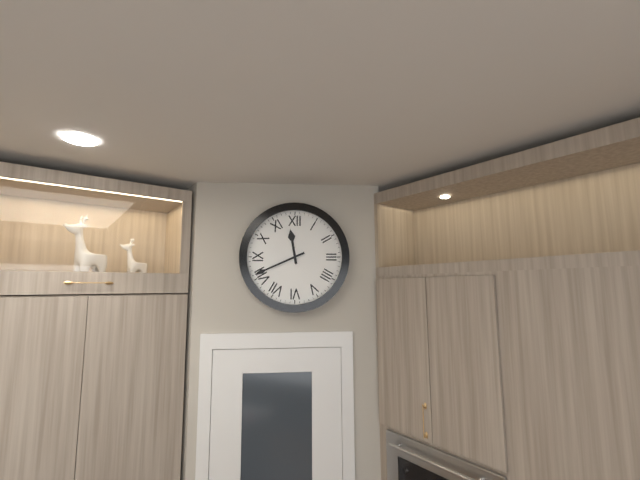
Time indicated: 11:41
